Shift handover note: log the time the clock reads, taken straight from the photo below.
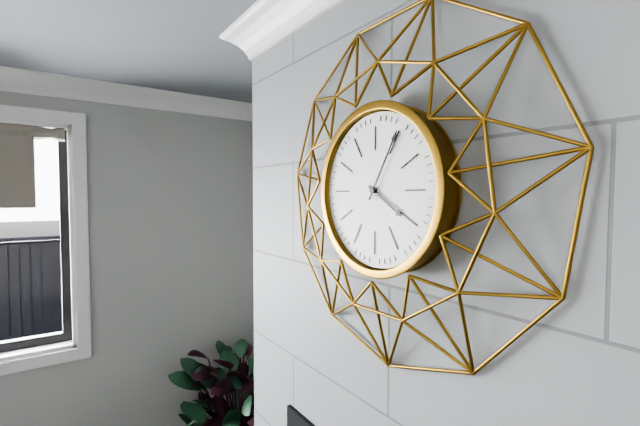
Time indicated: 4:05
